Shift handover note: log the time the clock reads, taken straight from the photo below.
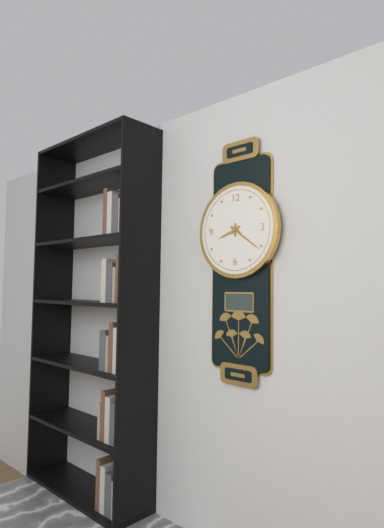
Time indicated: 8:21
